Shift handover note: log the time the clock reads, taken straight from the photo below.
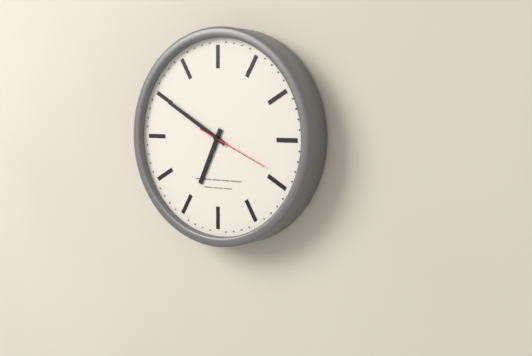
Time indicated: 6:50:19
